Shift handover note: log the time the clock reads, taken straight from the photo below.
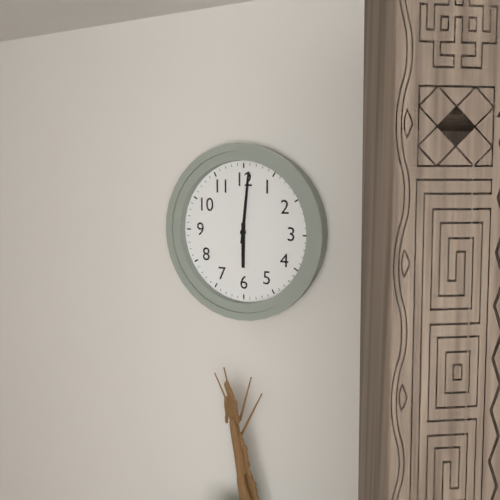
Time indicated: 6:01
